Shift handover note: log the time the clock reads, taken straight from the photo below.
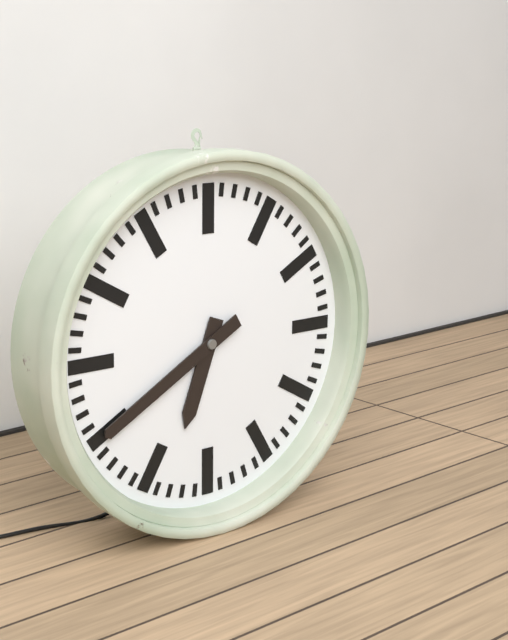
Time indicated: 6:40
